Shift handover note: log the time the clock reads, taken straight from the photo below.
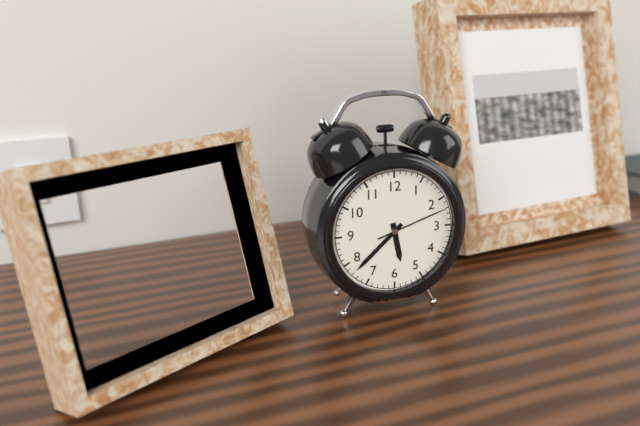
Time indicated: 5:38:12
